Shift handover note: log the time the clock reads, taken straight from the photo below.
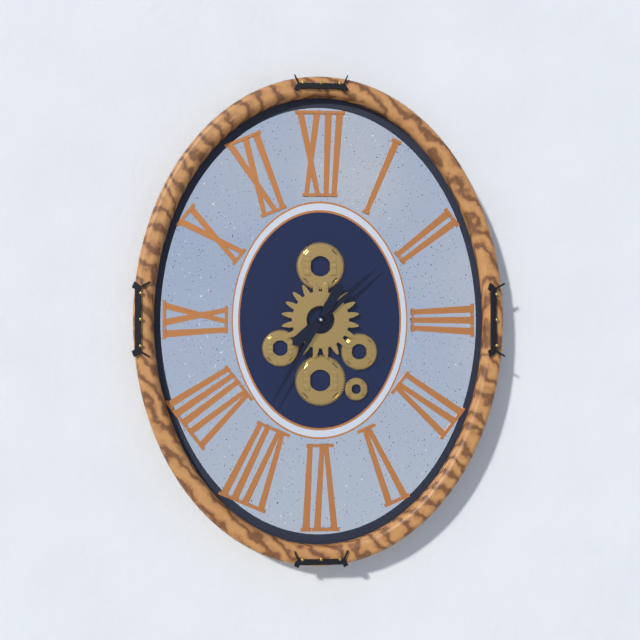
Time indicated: 1:35
